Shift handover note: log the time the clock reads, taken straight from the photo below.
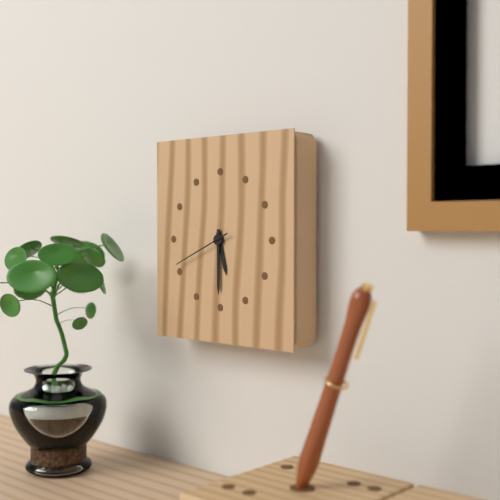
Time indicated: 5:30:41
